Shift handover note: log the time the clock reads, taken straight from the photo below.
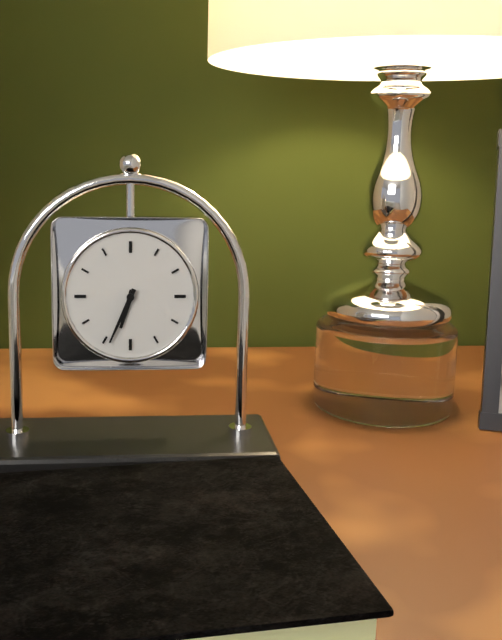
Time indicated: 6:34
